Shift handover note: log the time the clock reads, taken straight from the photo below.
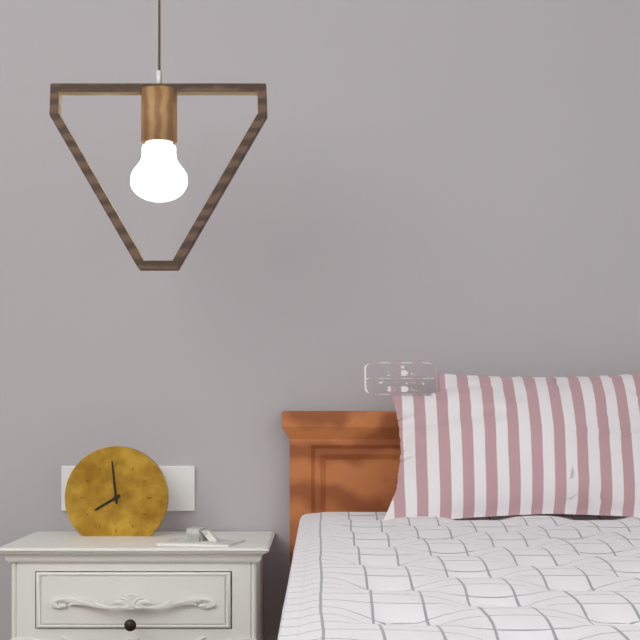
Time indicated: 7:59
